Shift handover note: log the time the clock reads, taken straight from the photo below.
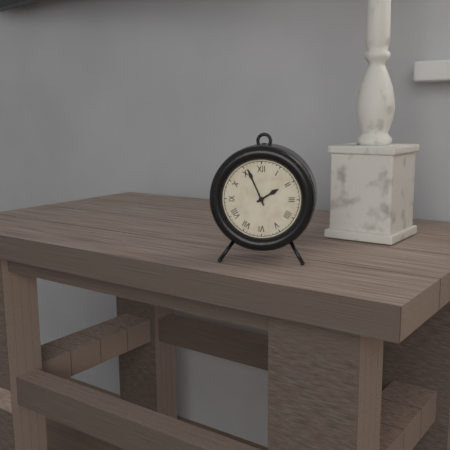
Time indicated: 1:56
